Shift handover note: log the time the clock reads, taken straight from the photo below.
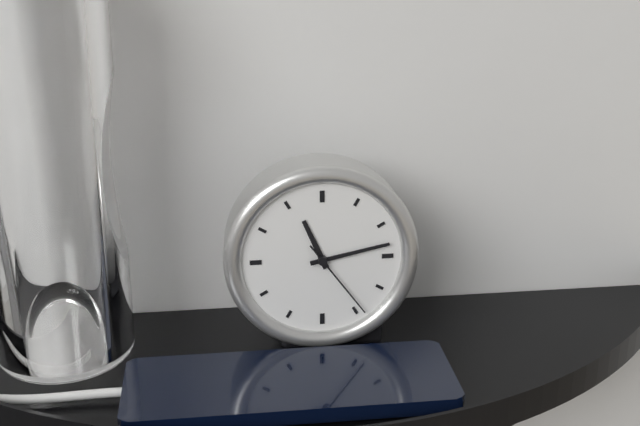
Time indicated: 11:13:24
